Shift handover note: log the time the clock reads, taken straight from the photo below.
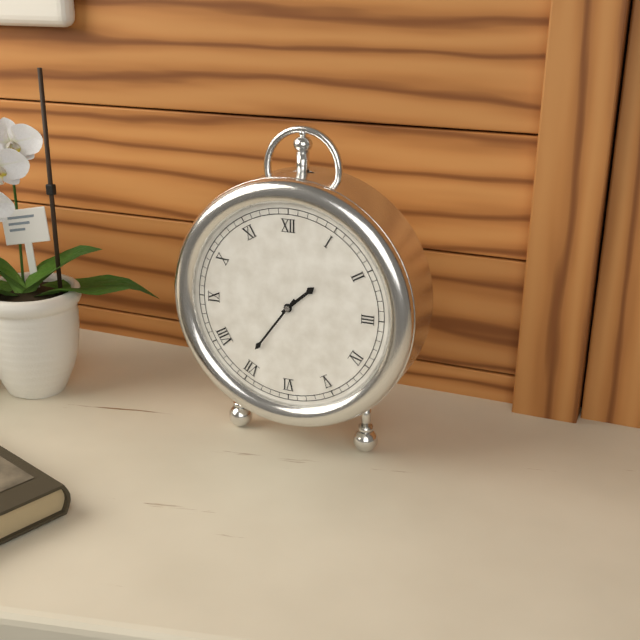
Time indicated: 1:36
